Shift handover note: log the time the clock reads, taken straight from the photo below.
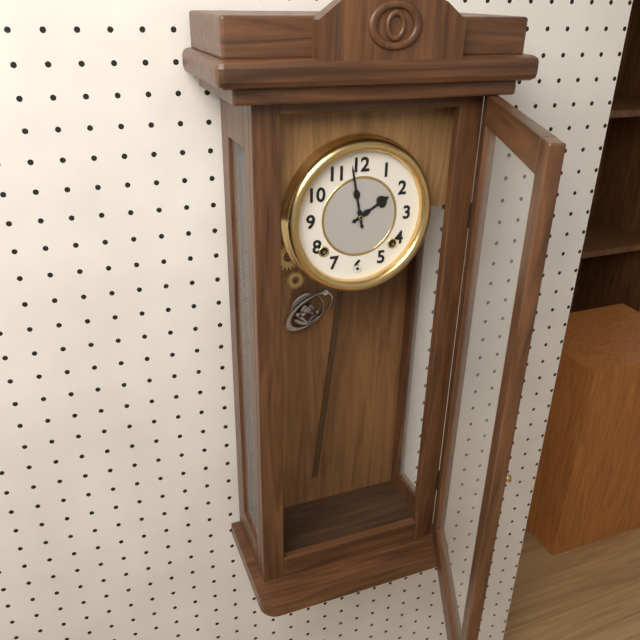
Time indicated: 1:58
